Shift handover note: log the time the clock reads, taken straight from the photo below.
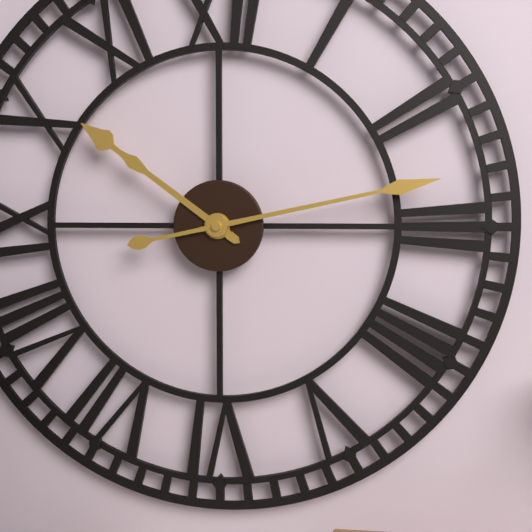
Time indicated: 10:13
